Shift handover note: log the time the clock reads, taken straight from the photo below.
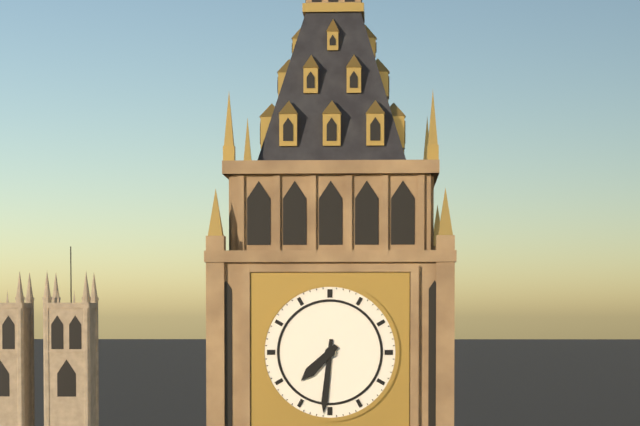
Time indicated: 7:31
